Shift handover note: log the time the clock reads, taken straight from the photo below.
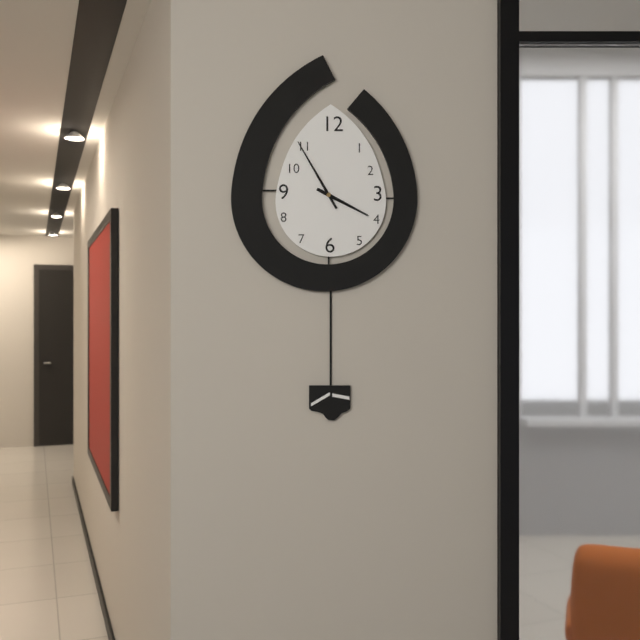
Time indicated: 3:55
